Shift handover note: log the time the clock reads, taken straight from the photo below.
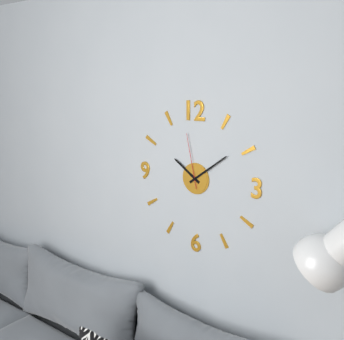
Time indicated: 10:09:58
